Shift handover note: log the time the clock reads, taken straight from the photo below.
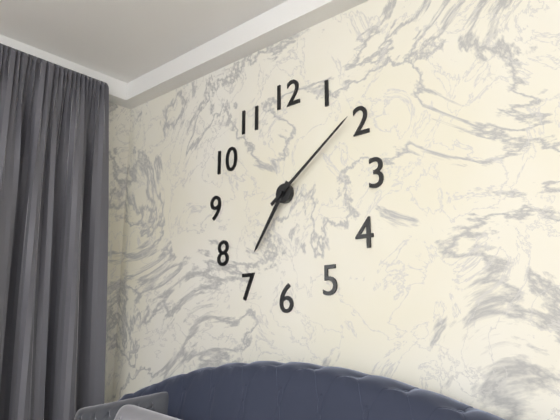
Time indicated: 7:09
